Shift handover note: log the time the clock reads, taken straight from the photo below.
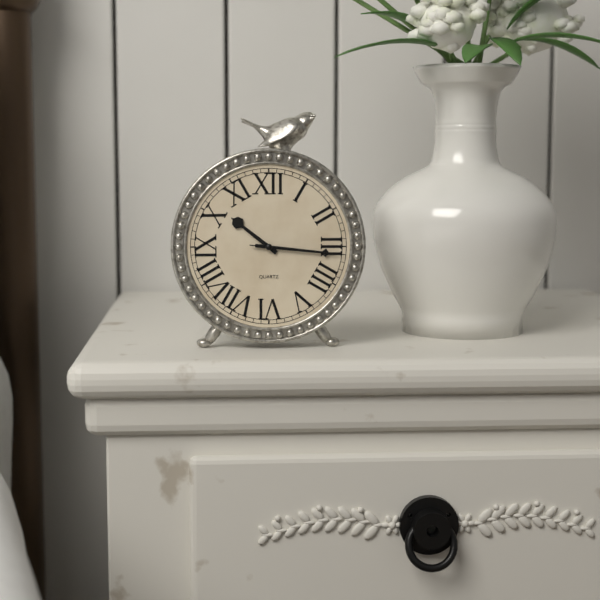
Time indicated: 10:16:16
